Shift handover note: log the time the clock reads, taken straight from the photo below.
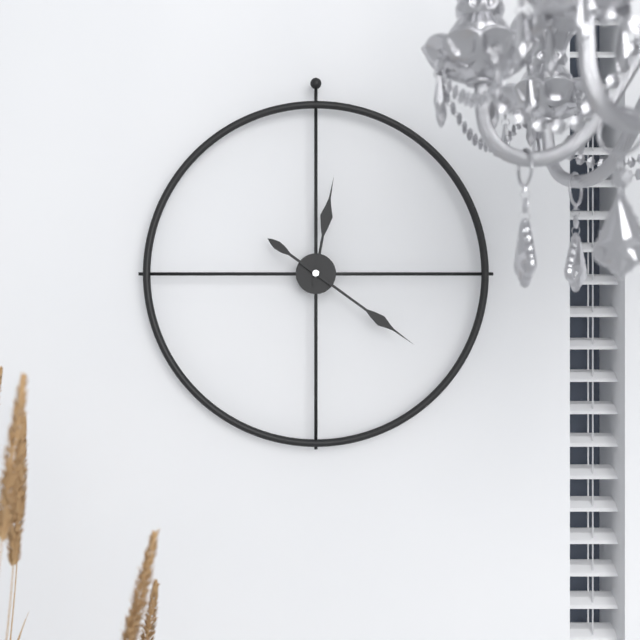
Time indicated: 12:21
